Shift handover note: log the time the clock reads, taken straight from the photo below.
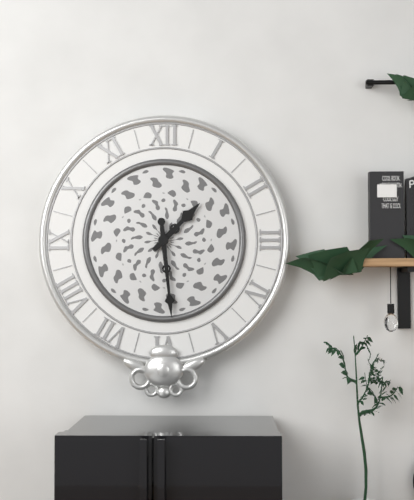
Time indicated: 1:29
